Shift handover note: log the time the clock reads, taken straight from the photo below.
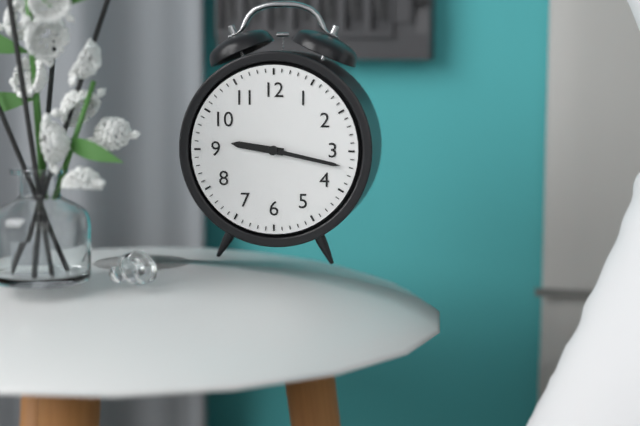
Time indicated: 9:17
